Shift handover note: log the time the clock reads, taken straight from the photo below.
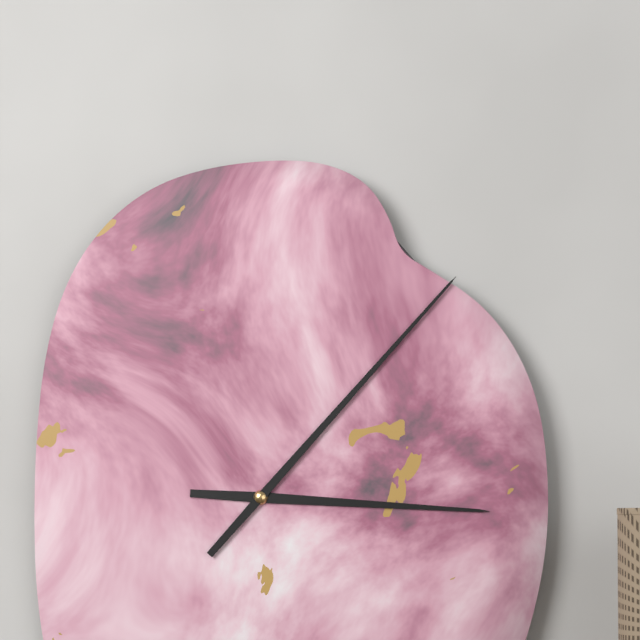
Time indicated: 3:07
